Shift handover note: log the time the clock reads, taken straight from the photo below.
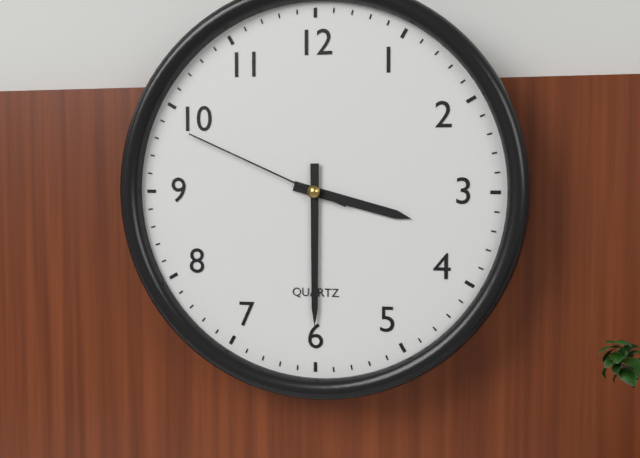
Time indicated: 3:30:49
